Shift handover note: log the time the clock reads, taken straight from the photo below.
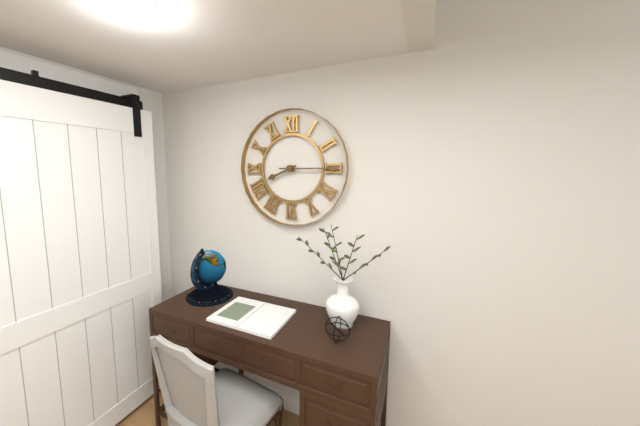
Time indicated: 8:15
